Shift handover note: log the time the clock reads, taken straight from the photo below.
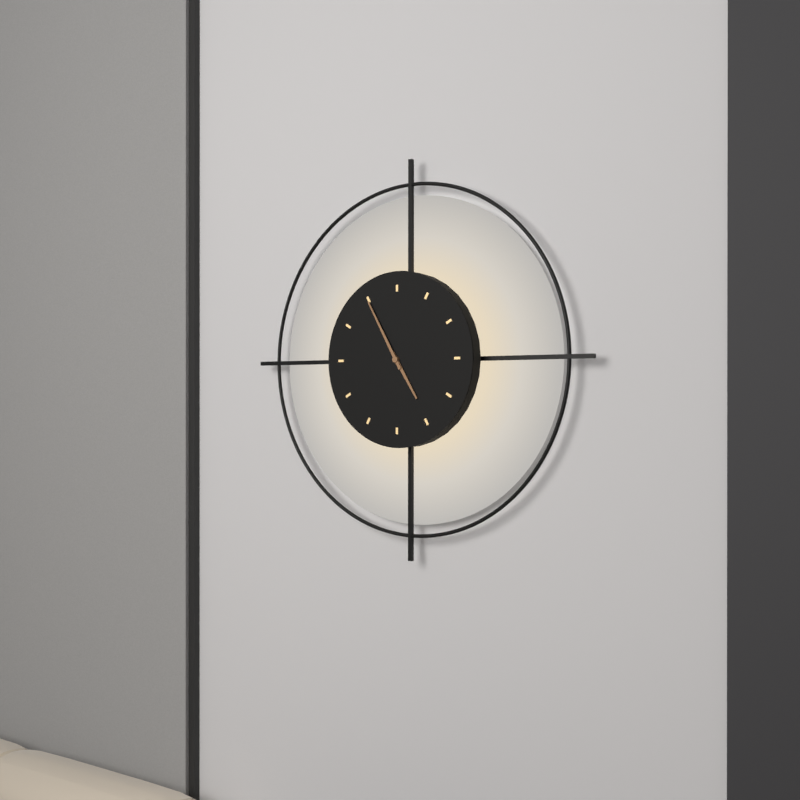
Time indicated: 4:55
